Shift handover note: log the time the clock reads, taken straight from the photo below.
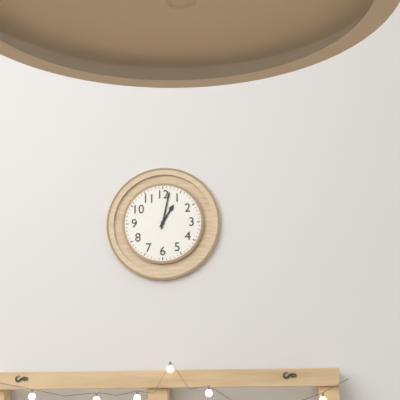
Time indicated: 1:02
